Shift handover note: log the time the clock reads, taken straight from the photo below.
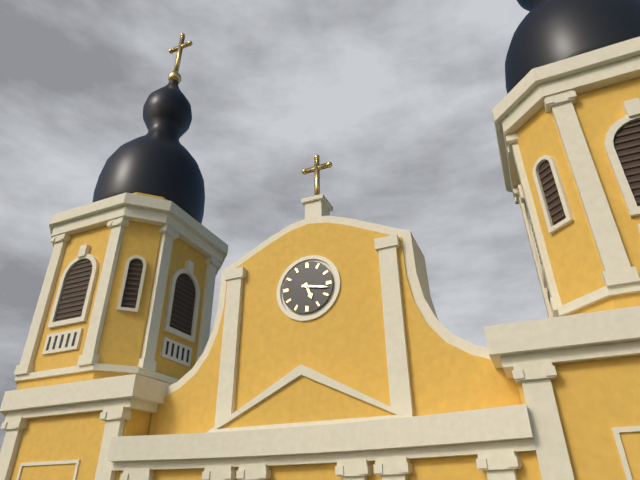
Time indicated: 5:17
